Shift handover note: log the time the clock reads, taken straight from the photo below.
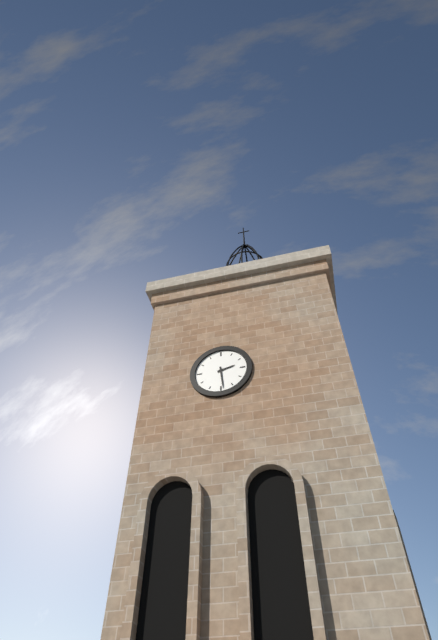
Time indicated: 2:29
